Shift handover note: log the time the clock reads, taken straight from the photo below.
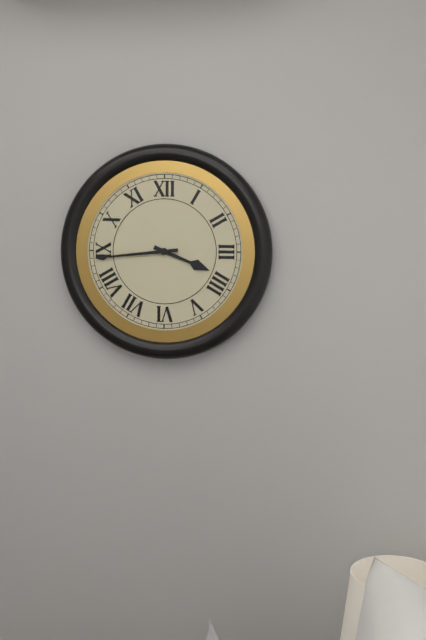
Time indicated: 3:44
